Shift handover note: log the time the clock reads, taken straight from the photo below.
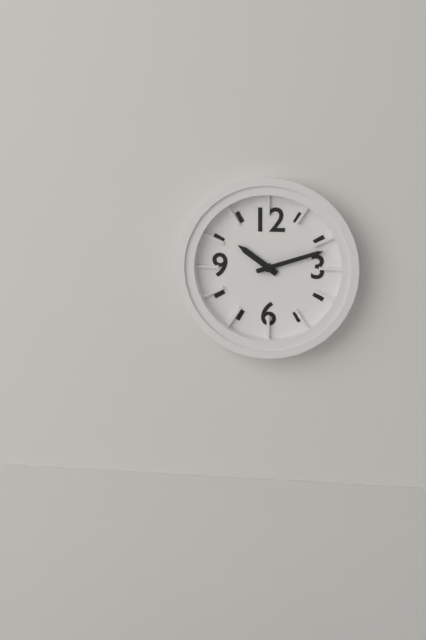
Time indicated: 10:12
